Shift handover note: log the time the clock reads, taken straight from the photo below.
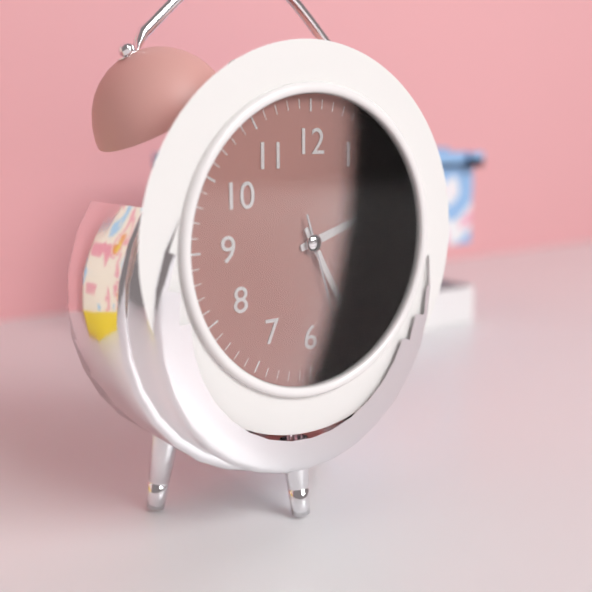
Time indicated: 2:25:27
